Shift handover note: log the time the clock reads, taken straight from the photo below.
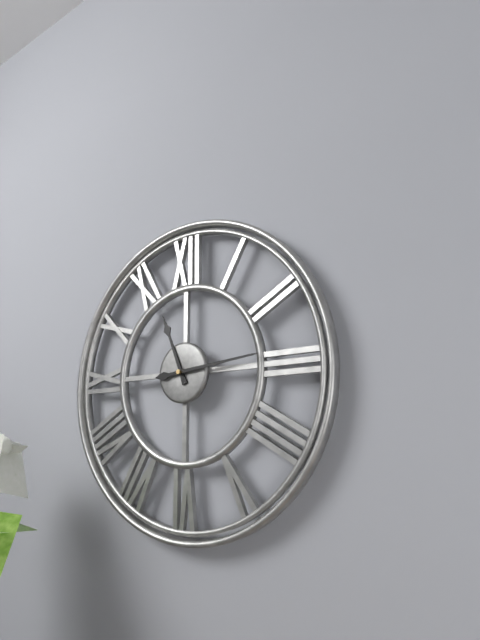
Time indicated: 11:14
